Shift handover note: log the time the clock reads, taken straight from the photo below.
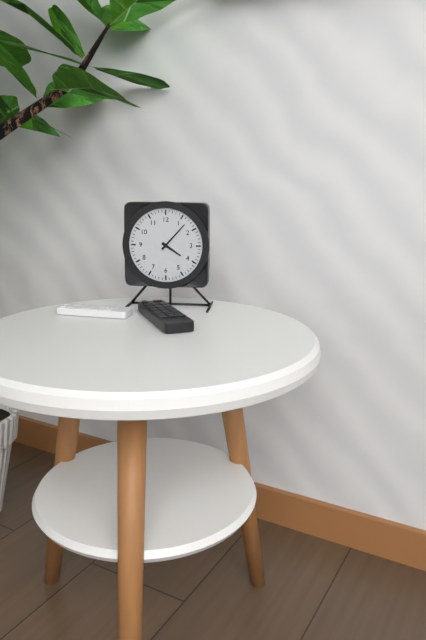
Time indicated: 4:07
